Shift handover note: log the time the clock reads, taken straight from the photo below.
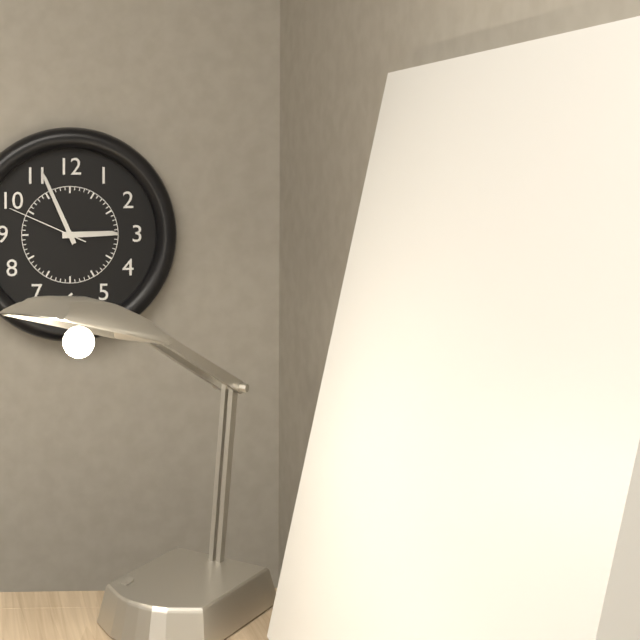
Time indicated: 2:56:49
